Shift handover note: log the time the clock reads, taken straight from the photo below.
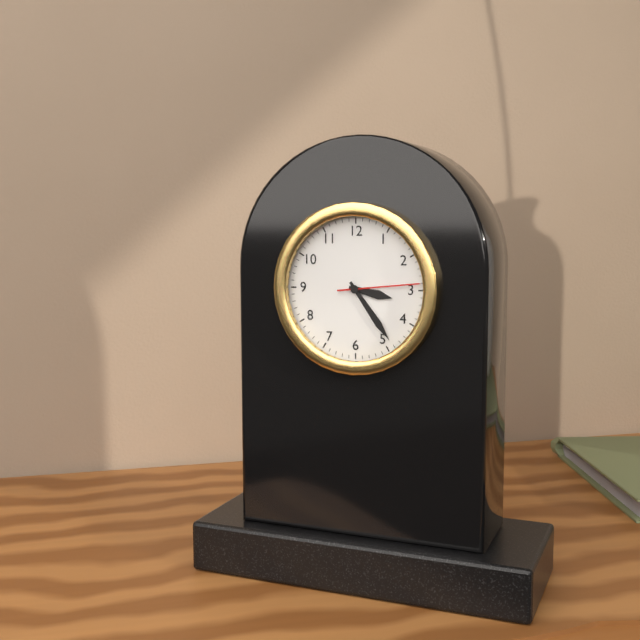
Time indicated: 3:24:14
